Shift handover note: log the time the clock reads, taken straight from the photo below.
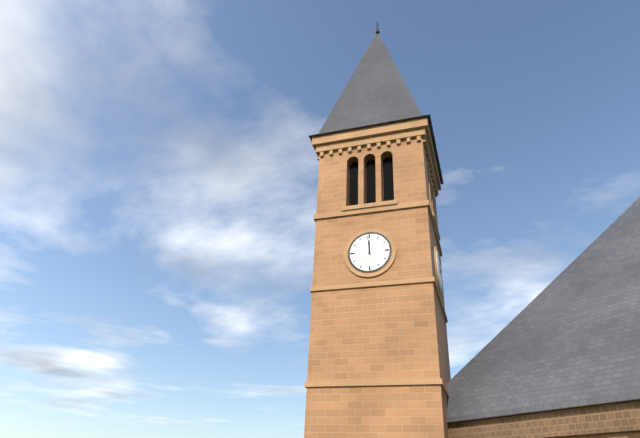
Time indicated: 11:59
